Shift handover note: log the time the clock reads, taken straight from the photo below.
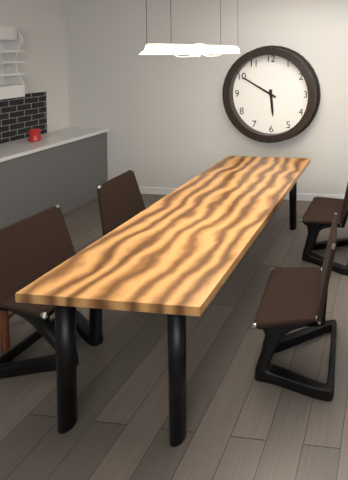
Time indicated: 5:50
